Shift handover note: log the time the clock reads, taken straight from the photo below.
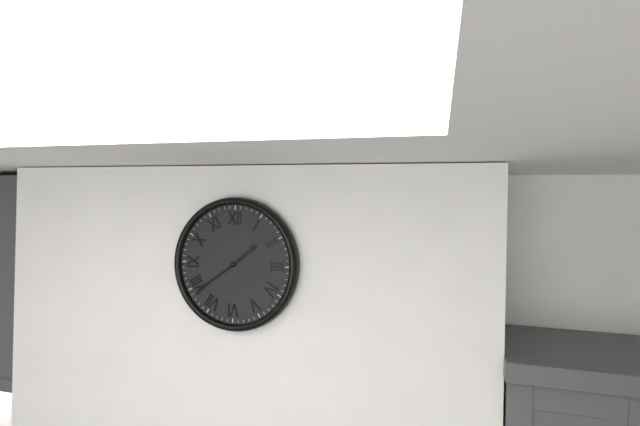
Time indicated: 1:39
